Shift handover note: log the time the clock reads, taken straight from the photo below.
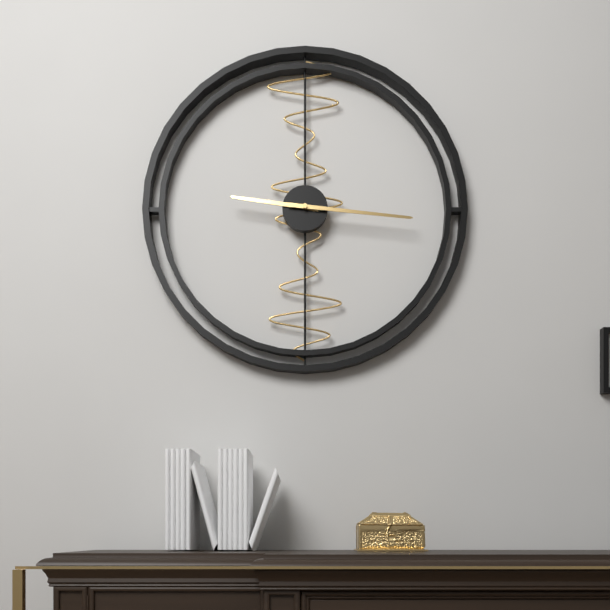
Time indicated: 9:16
